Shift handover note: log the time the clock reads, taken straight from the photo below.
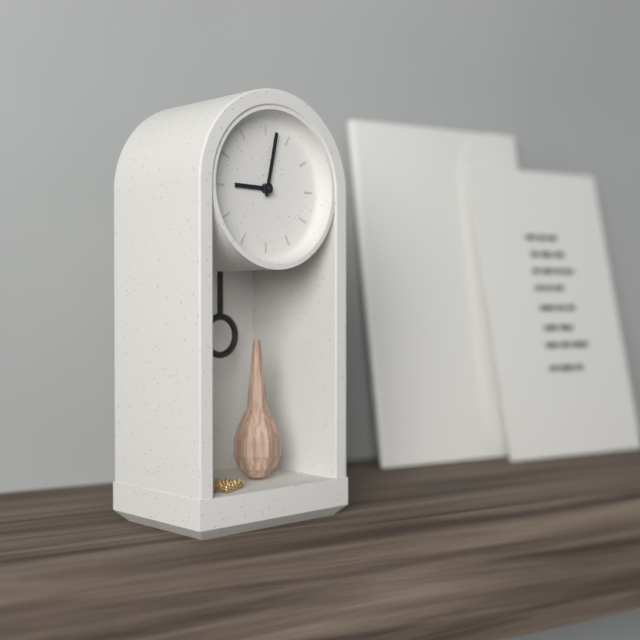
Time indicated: 9:02
